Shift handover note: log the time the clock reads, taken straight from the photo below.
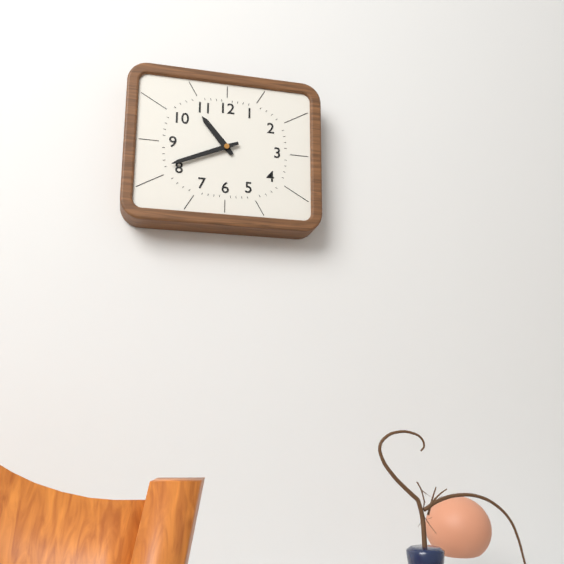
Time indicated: 10:41
